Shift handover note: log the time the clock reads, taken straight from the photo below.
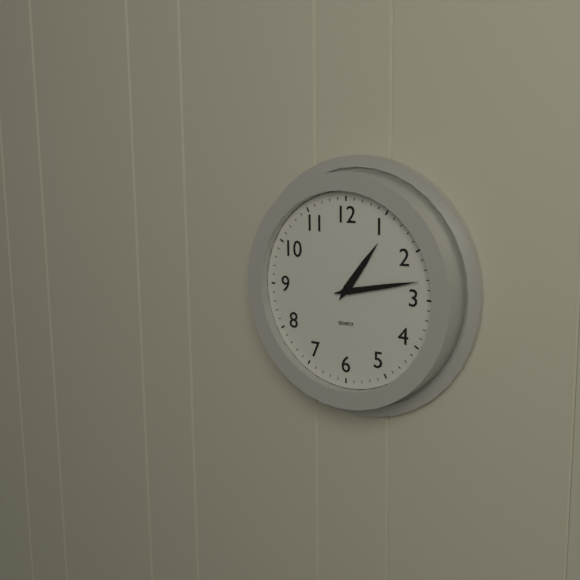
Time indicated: 1:13
